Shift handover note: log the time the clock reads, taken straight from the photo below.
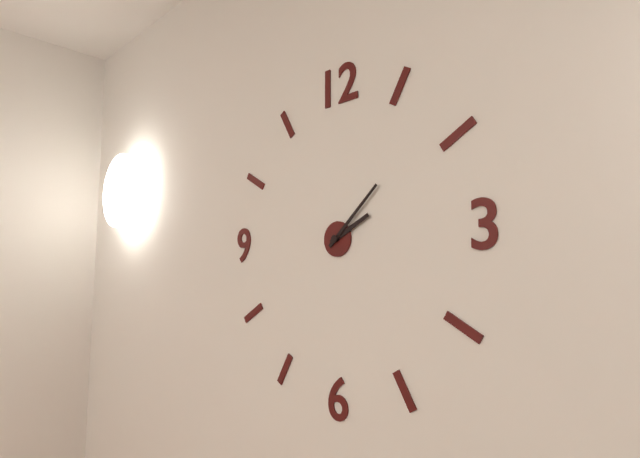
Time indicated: 2:08
